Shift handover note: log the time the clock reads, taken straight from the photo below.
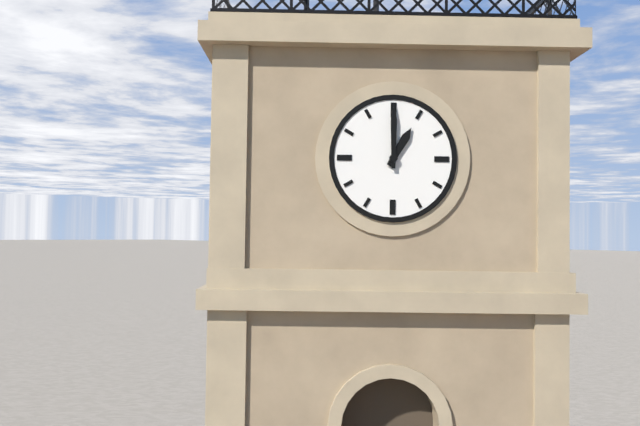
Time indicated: 1:00
